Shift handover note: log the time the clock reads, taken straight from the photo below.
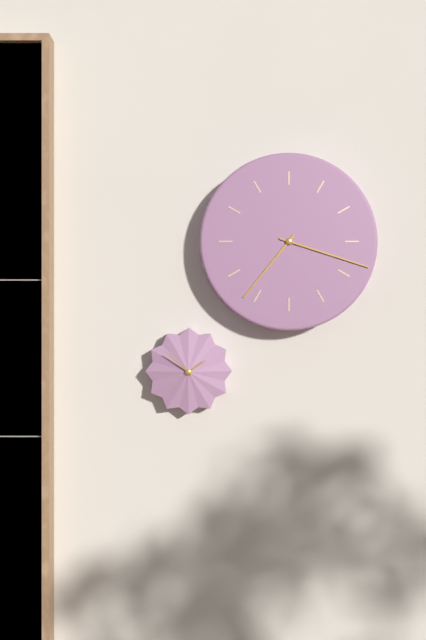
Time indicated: 7:18
